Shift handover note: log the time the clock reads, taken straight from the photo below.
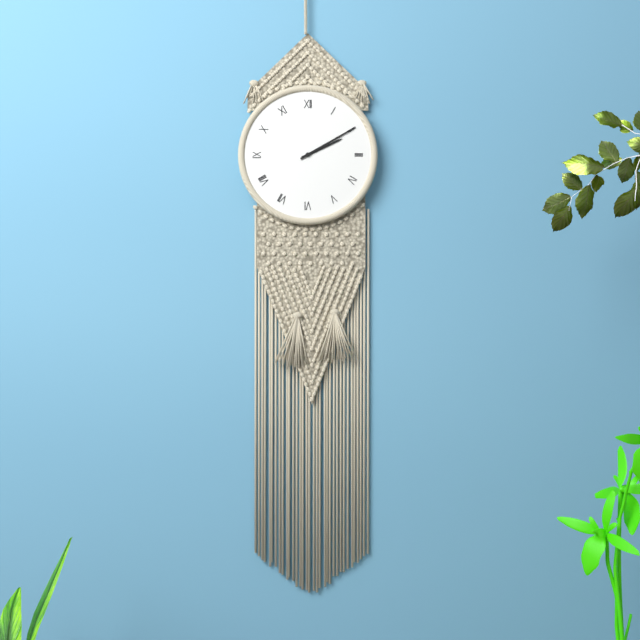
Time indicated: 2:10
